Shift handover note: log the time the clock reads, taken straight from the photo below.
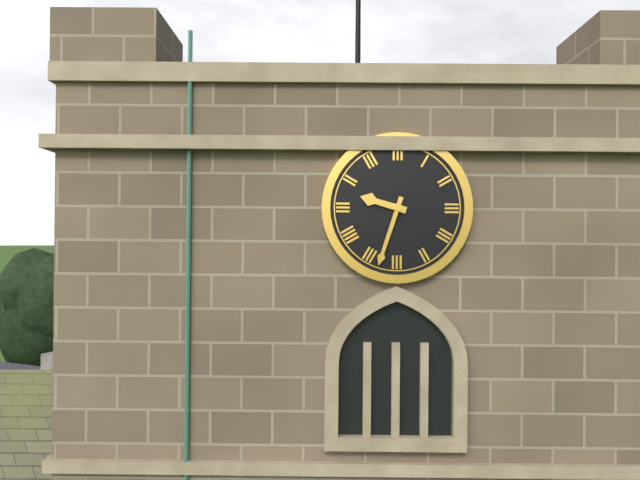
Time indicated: 9:33
